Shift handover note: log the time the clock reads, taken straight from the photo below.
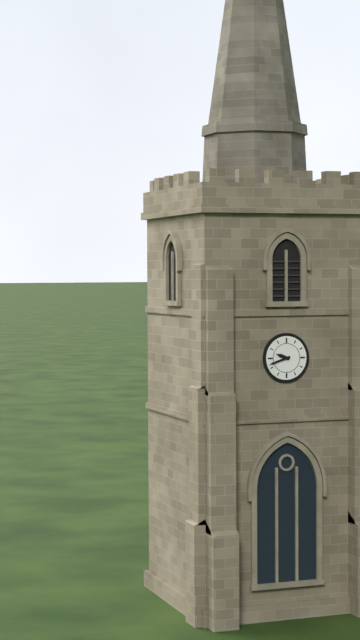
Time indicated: 9:42
